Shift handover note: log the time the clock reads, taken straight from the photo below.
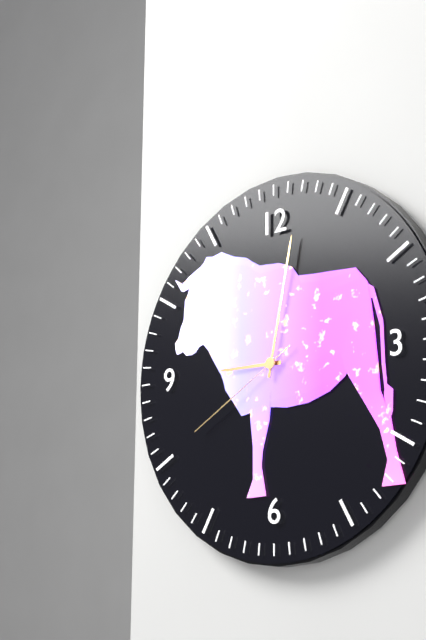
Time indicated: 9:02:40
